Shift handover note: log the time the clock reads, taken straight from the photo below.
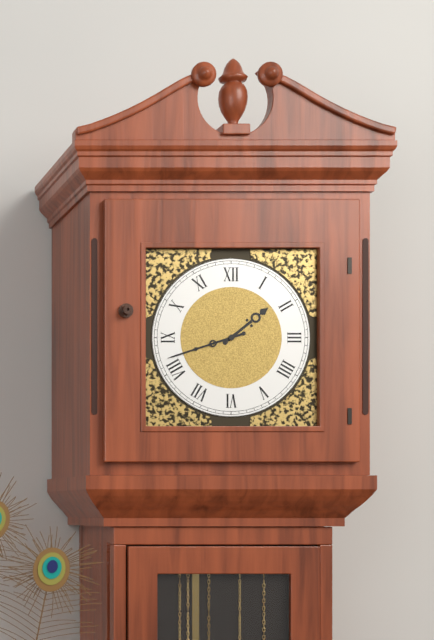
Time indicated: 1:42
